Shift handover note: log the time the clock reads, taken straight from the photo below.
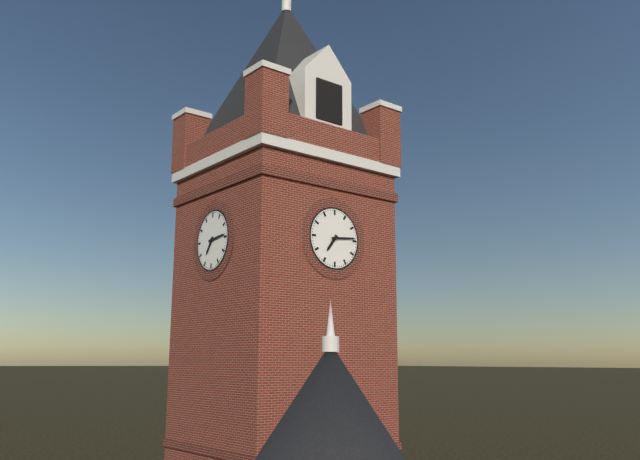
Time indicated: 7:14
